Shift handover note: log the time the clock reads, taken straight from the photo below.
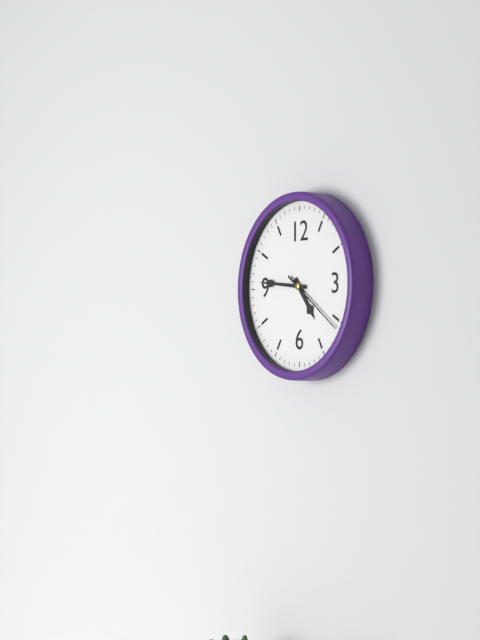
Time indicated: 4:46:21
